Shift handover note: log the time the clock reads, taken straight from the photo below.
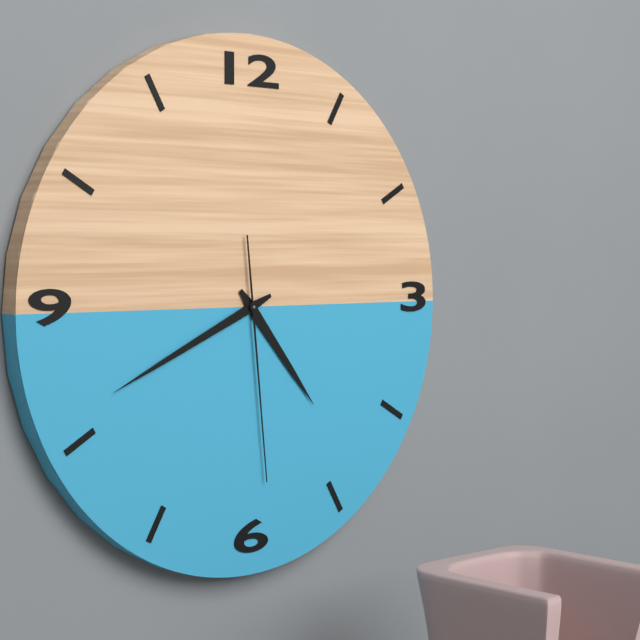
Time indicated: 4:41:29
